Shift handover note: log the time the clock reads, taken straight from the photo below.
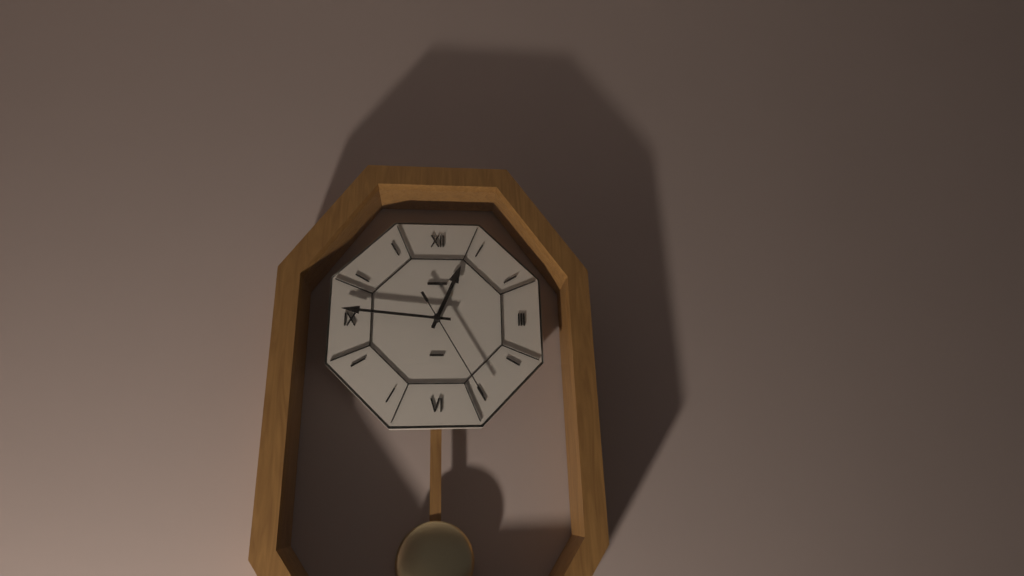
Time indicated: 12:46:25
